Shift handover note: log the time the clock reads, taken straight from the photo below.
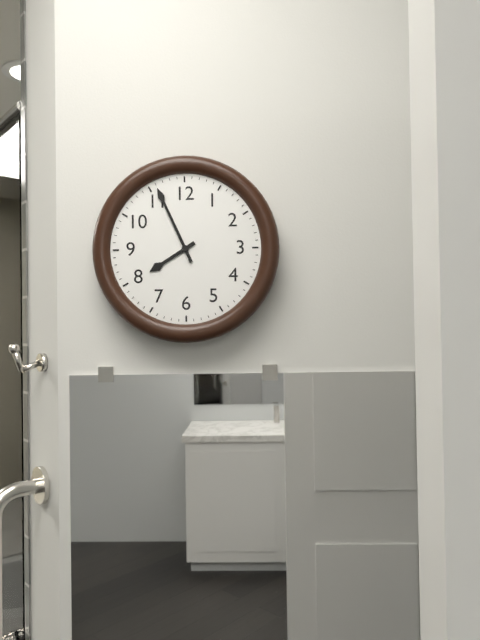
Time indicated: 7:56
